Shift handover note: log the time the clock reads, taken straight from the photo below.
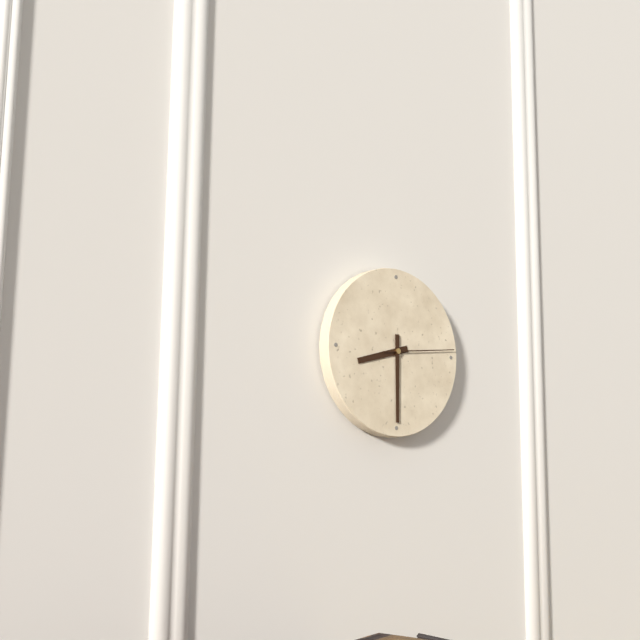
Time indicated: 8:30:14
